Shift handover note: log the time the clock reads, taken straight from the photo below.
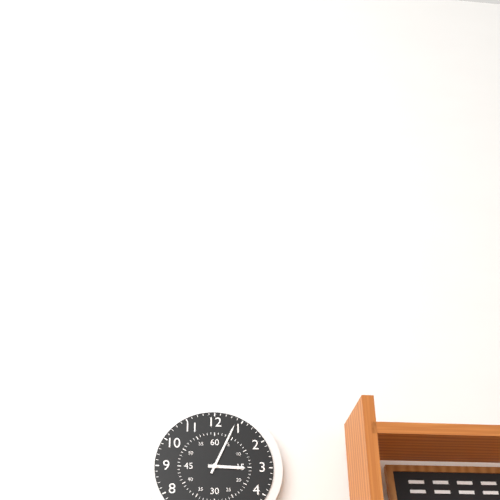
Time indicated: 3:04
